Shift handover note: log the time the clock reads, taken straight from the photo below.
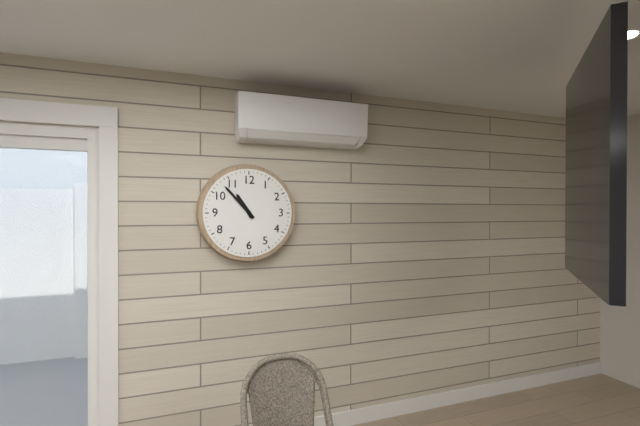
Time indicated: 10:53
